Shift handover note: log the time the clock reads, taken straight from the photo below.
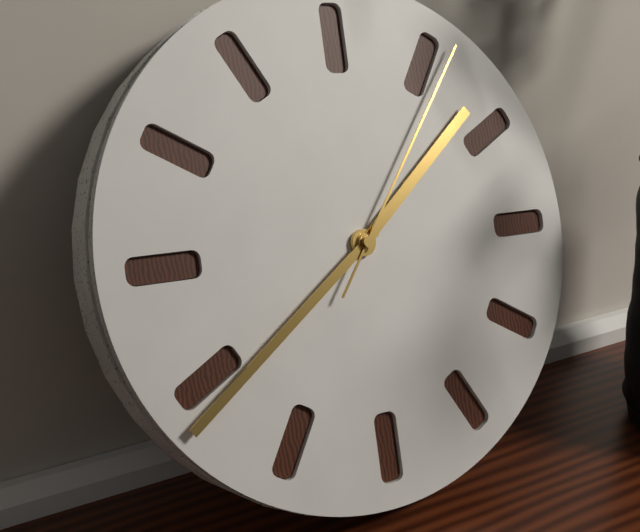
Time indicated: 1:39:06
